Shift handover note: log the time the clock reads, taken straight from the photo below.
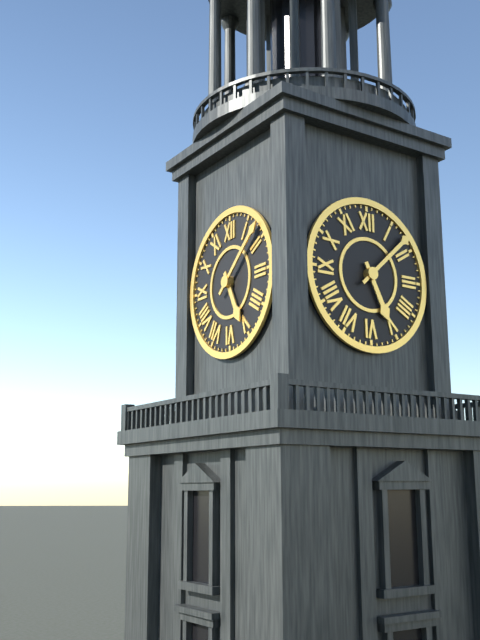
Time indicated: 5:08
